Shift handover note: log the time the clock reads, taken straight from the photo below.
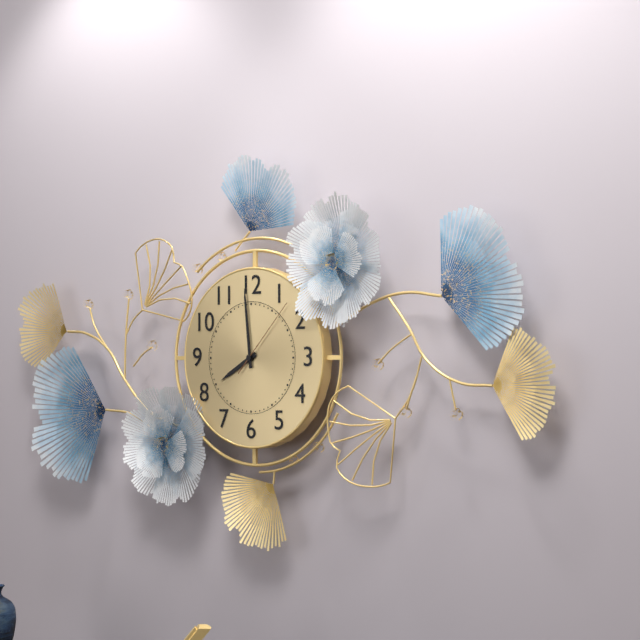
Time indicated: 7:59:07
